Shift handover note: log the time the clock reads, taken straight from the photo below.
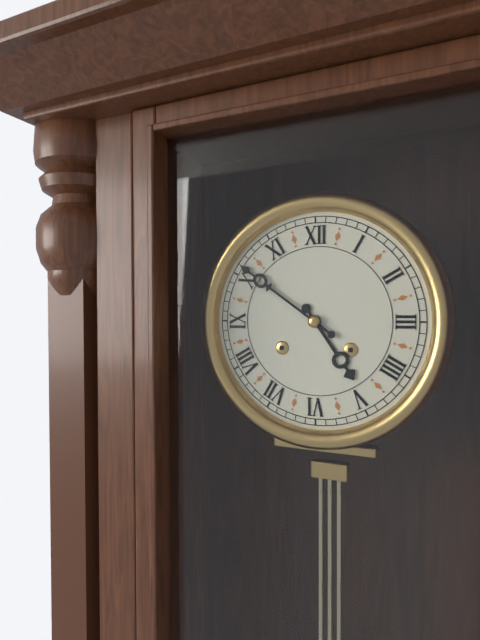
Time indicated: 4:51
